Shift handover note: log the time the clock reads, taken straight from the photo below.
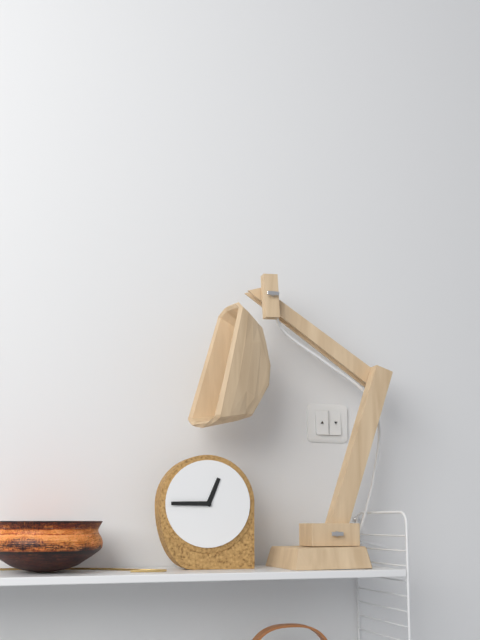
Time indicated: 12:45
